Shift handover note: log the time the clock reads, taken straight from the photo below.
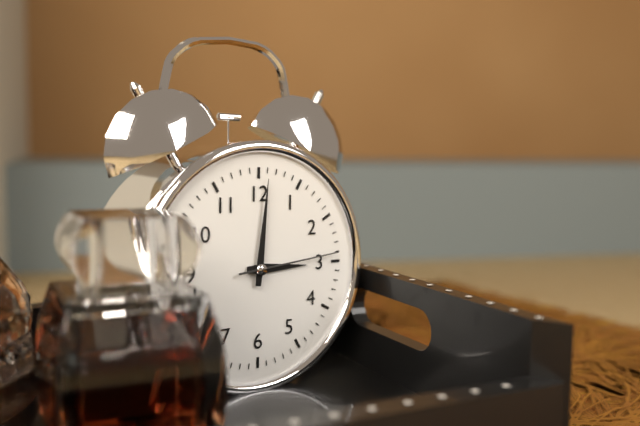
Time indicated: 3:01:14
